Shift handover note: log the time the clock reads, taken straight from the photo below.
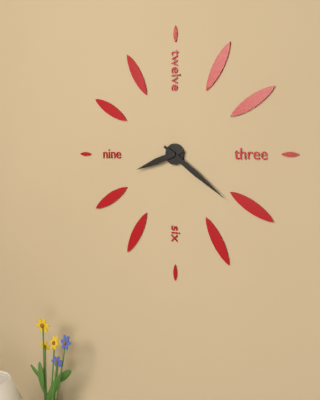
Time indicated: 8:21
